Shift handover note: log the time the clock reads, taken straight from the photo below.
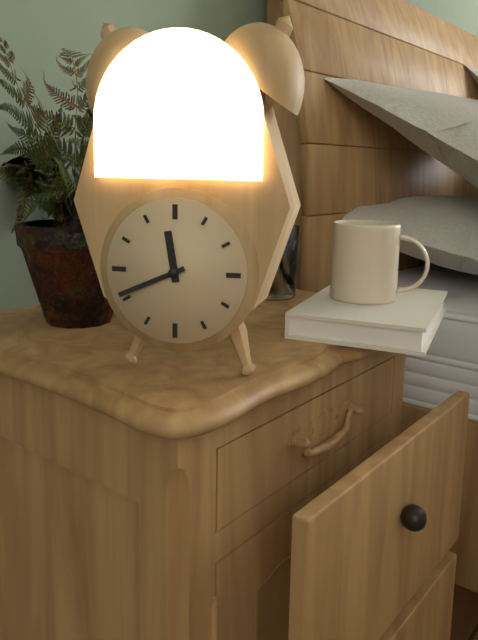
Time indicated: 11:41
